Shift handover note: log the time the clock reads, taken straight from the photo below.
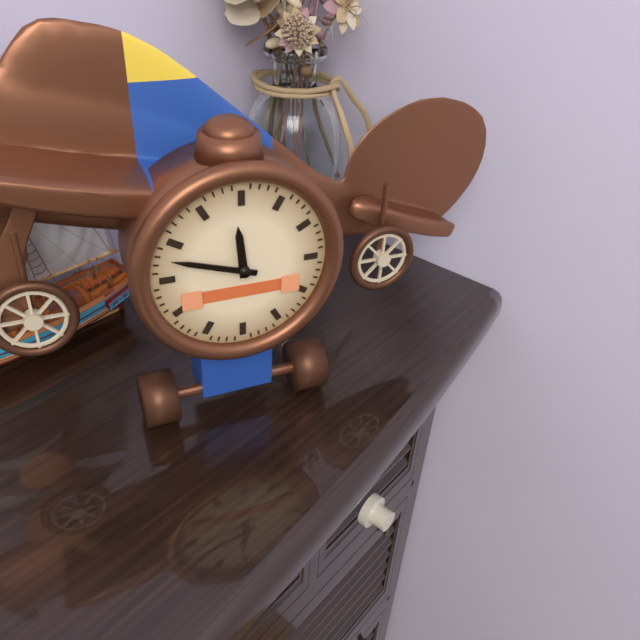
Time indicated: 11:48
